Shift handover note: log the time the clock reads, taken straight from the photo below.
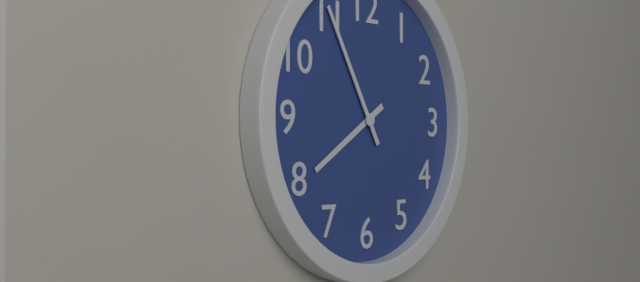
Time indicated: 7:55
